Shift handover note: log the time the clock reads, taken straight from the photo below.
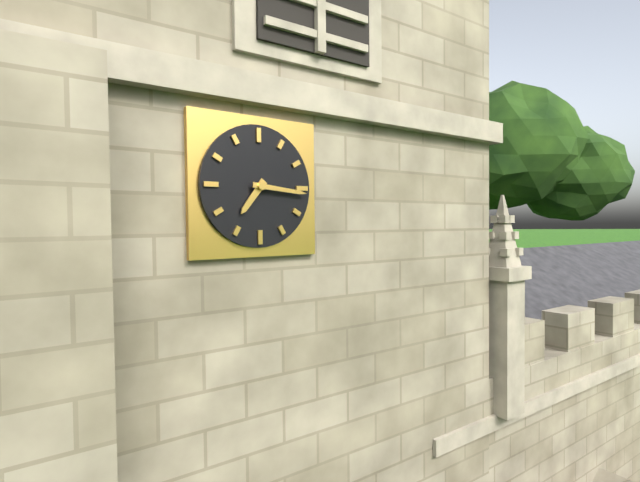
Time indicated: 7:16
